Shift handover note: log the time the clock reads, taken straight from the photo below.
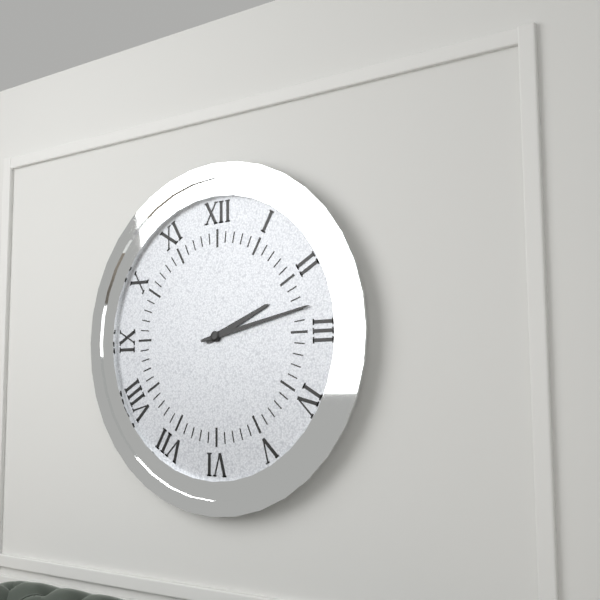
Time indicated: 2:13
